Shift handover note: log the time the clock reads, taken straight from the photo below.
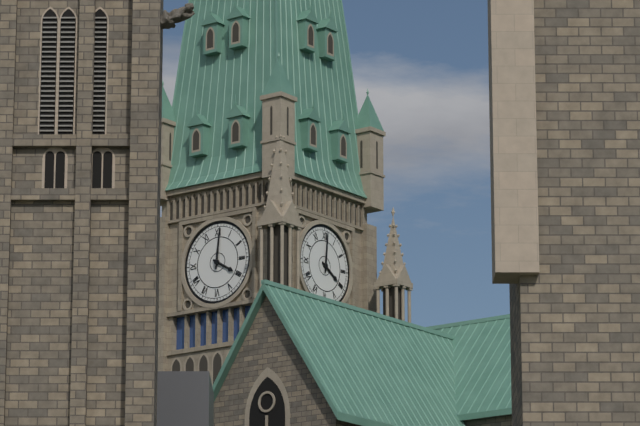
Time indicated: 4:01
